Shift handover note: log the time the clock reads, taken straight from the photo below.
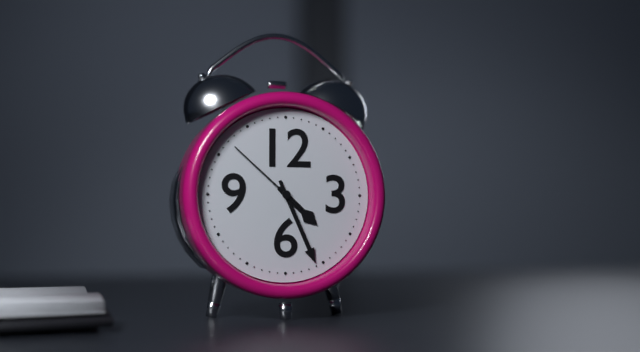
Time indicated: 4:26:52
